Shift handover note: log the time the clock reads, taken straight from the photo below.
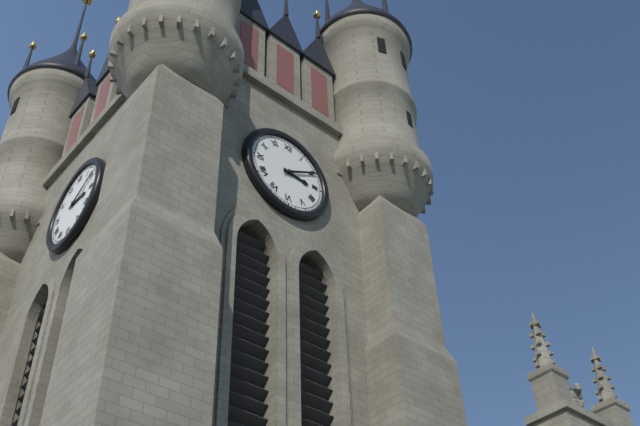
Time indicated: 3:10
